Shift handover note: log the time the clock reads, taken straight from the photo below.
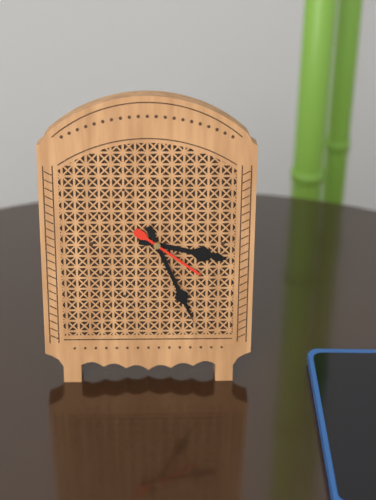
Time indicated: 3:26:21
